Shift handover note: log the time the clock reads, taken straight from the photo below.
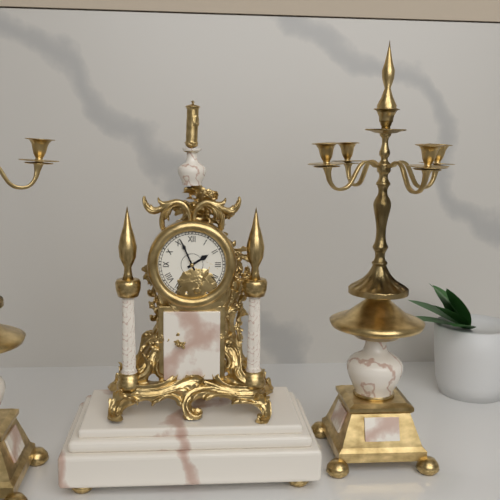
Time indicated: 1:56
